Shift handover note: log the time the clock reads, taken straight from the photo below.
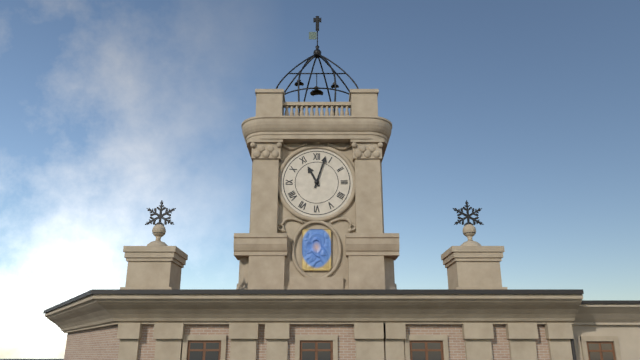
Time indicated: 11:03
